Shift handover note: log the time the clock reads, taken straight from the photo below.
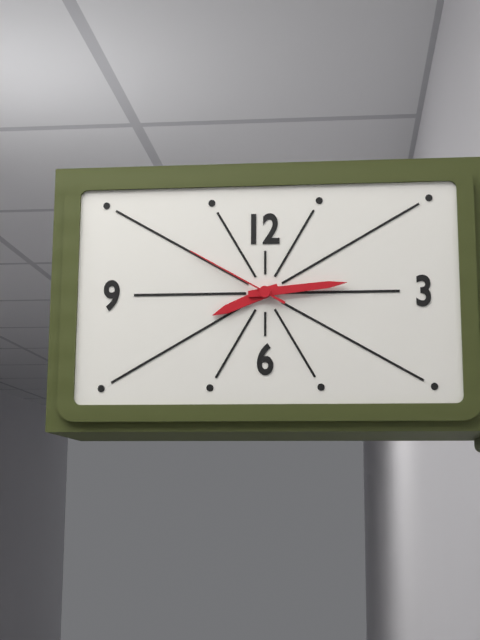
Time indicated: 8:14:50
